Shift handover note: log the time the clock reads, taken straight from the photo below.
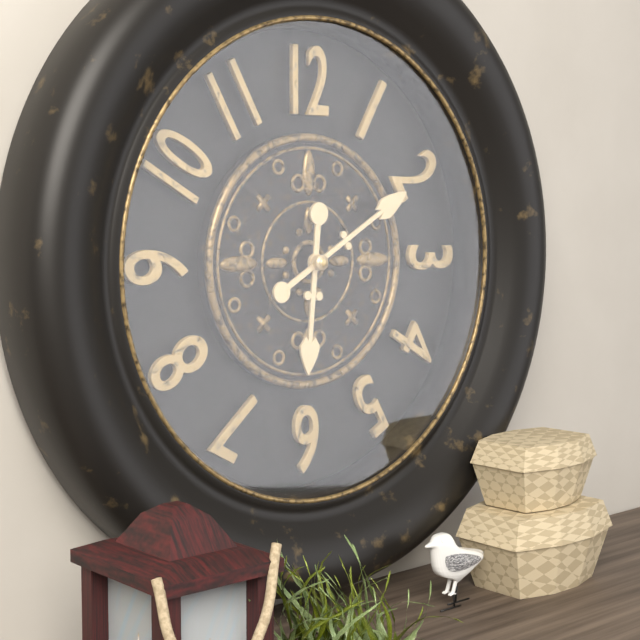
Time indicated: 6:10
